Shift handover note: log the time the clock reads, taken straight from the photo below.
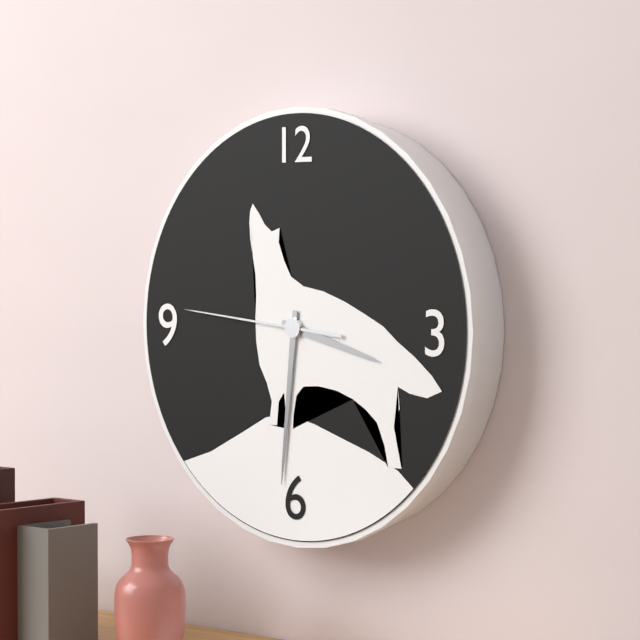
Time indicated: 3:31:46
